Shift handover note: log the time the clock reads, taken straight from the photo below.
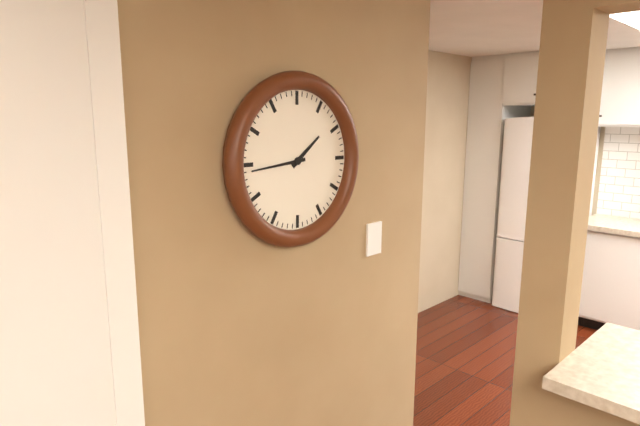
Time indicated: 1:44
